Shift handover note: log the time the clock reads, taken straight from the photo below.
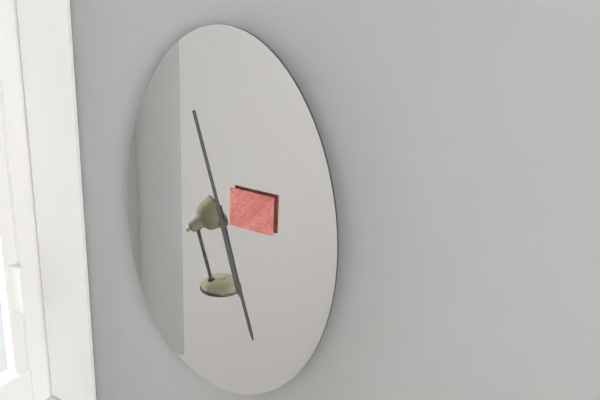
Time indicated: 5:27
